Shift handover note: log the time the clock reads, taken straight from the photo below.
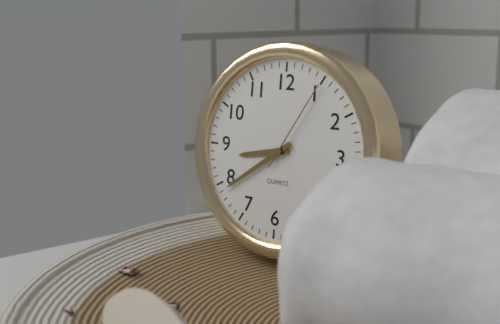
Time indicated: 8:39:05
